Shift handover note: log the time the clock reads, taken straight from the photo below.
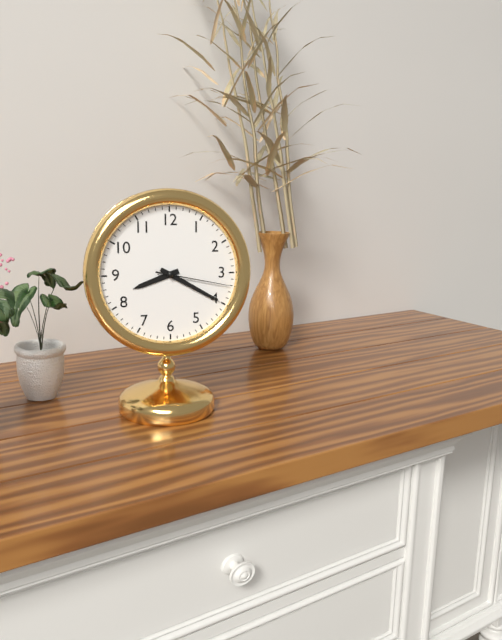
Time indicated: 8:20:17
